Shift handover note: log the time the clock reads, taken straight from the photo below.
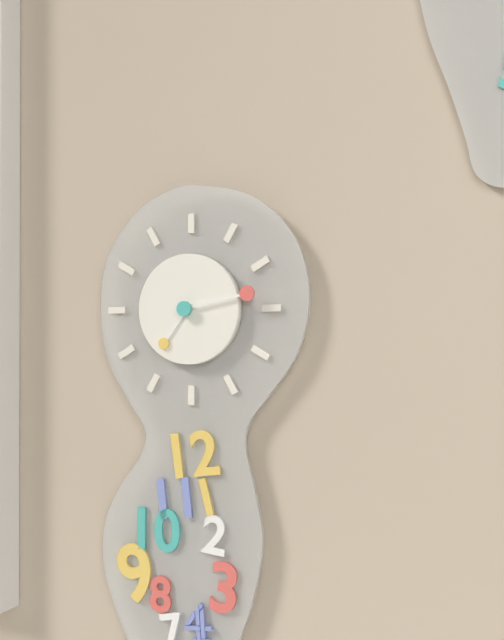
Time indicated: 7:13
